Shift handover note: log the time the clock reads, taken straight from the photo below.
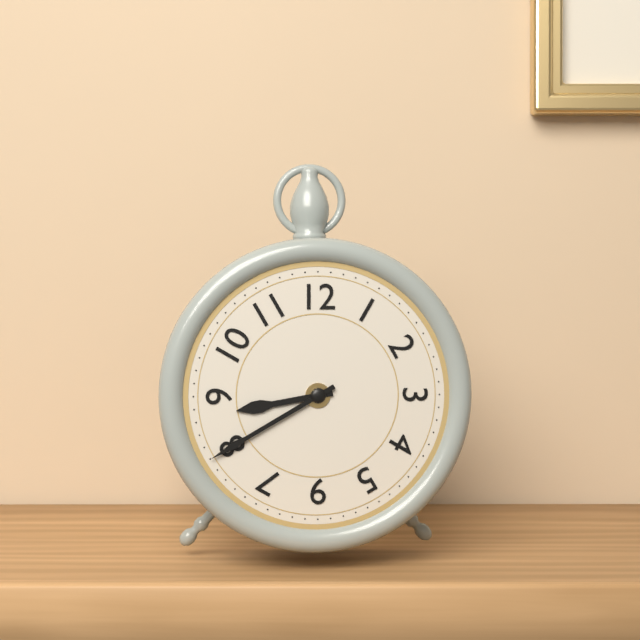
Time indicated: 8:40
